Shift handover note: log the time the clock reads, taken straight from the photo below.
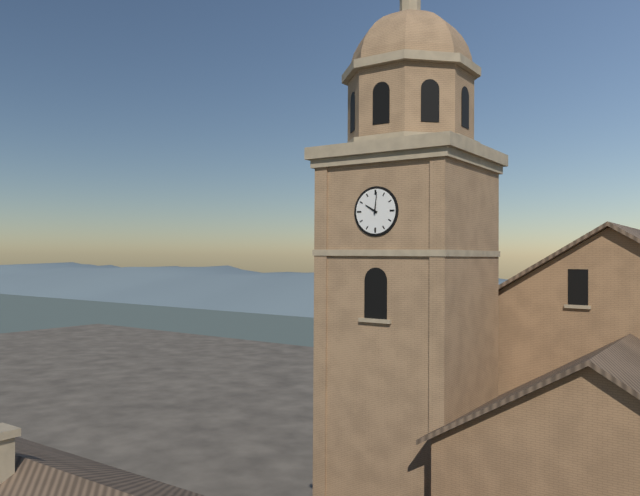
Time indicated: 10:01
